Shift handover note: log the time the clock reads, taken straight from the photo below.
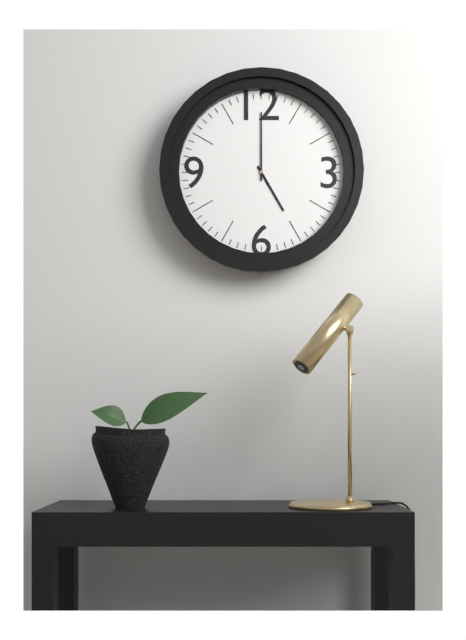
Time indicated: 5:00
